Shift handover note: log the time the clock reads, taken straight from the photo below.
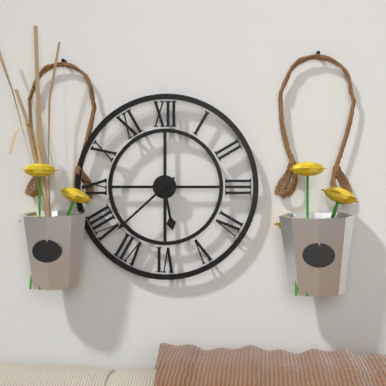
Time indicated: 5:38
